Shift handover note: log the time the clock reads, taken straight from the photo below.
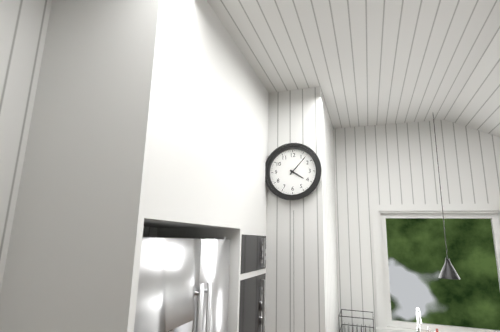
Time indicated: 4:07
